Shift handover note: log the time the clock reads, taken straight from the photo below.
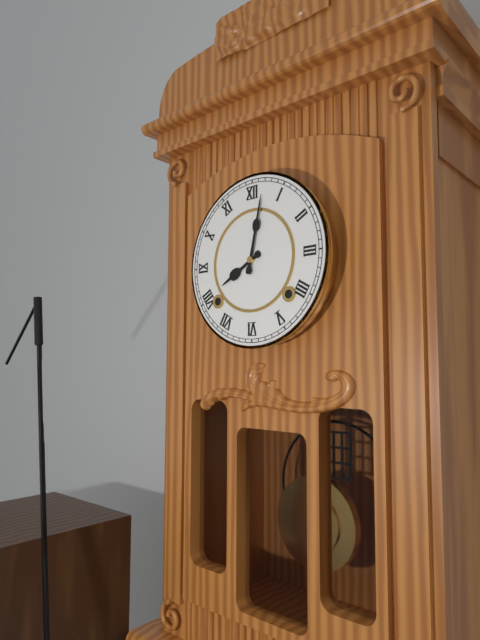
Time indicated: 8:02
